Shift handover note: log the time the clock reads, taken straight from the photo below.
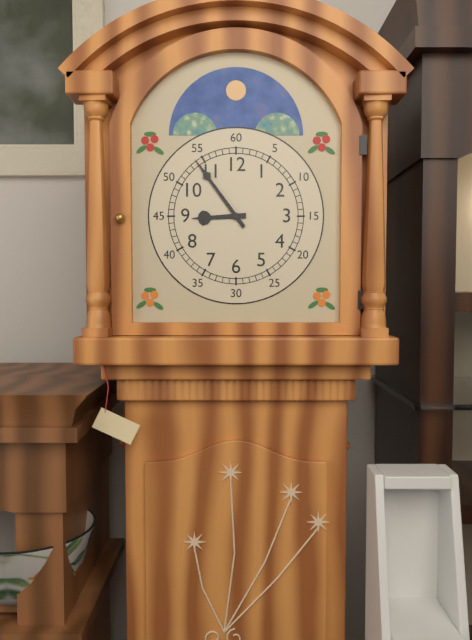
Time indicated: 8:54
